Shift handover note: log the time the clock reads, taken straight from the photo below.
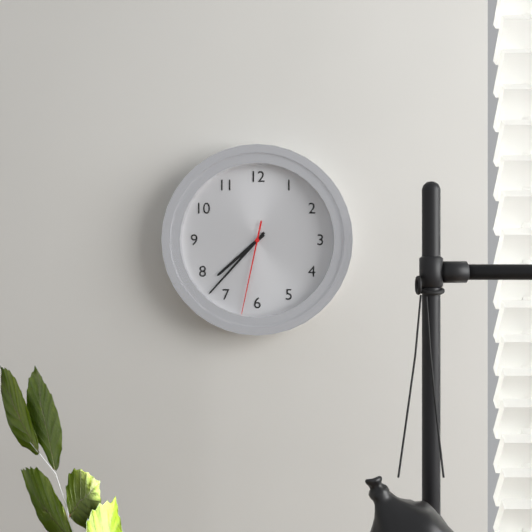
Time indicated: 7:37:32
